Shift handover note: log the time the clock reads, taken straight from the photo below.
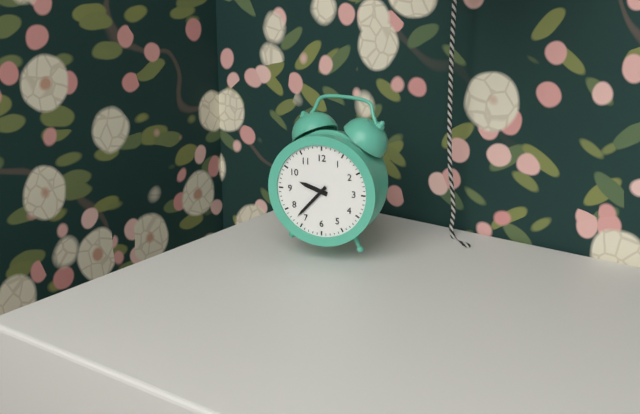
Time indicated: 9:37
